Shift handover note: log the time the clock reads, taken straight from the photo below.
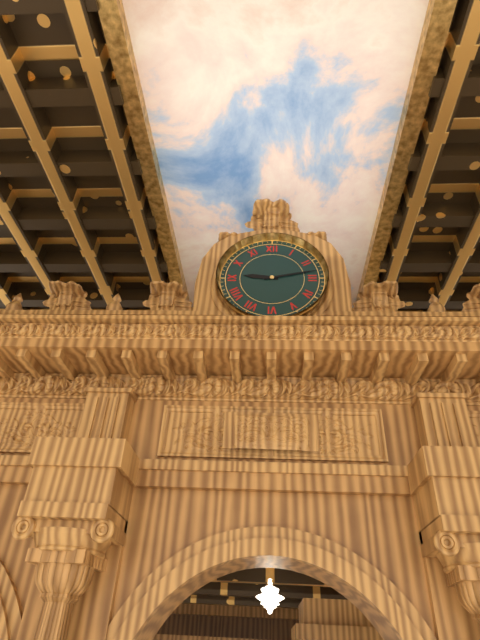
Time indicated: 9:13
